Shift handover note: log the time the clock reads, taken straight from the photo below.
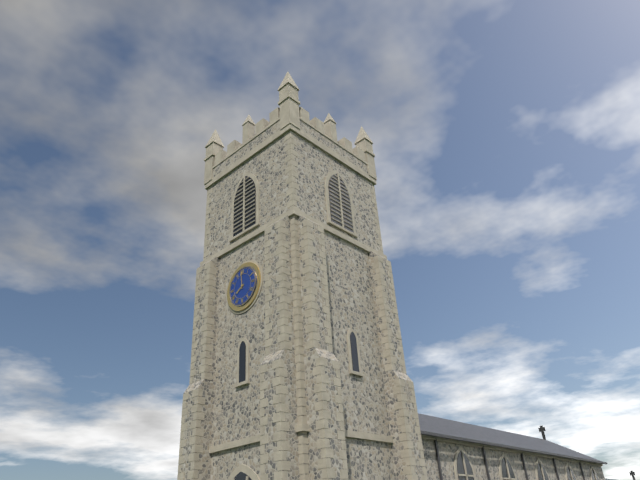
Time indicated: 7:59
